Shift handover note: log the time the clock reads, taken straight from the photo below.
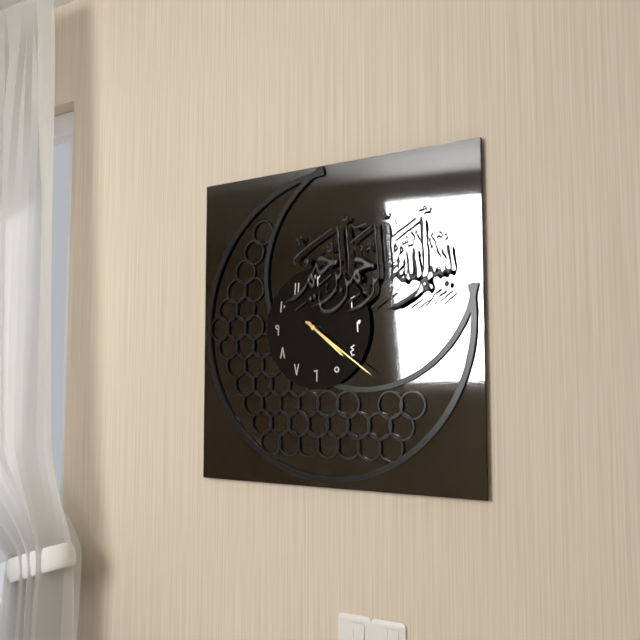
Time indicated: 4:21
